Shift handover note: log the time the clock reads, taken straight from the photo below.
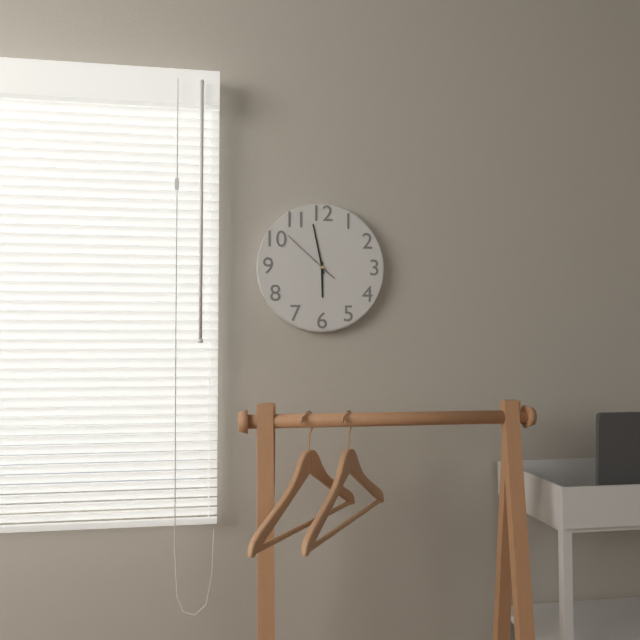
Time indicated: 5:58:52
